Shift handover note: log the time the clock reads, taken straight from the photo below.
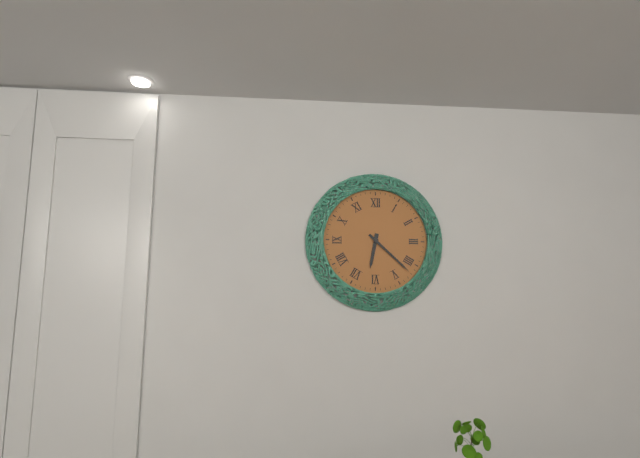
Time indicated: 6:22
